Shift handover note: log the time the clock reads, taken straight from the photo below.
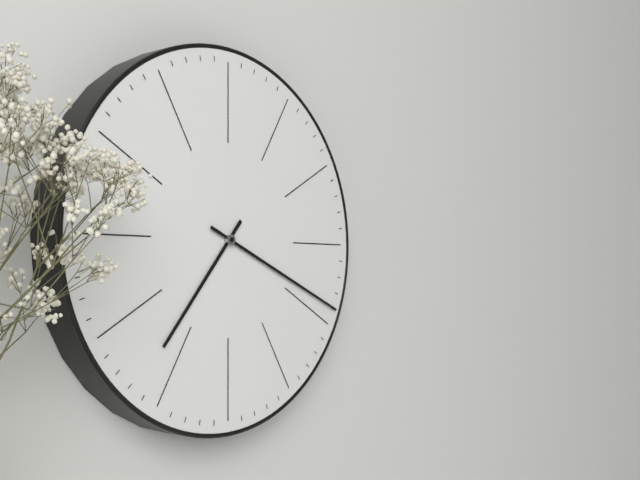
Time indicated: 7:19
